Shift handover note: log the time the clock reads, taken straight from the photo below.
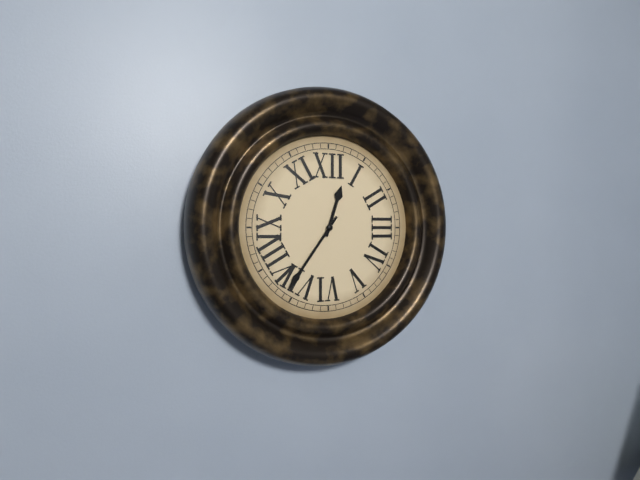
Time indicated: 12:36
